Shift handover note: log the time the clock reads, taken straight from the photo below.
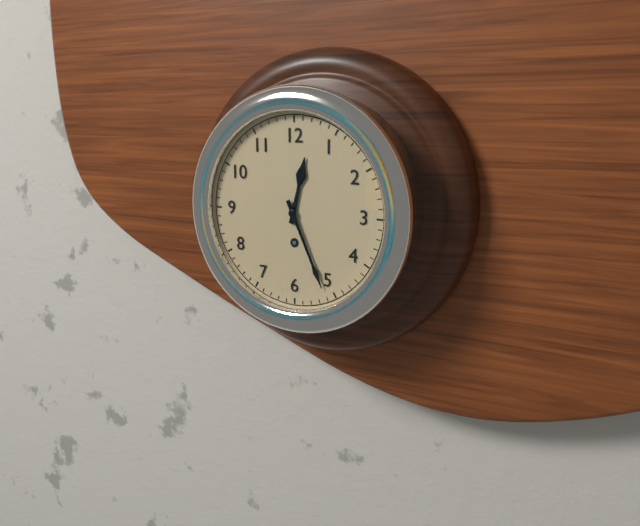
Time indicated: 12:26
